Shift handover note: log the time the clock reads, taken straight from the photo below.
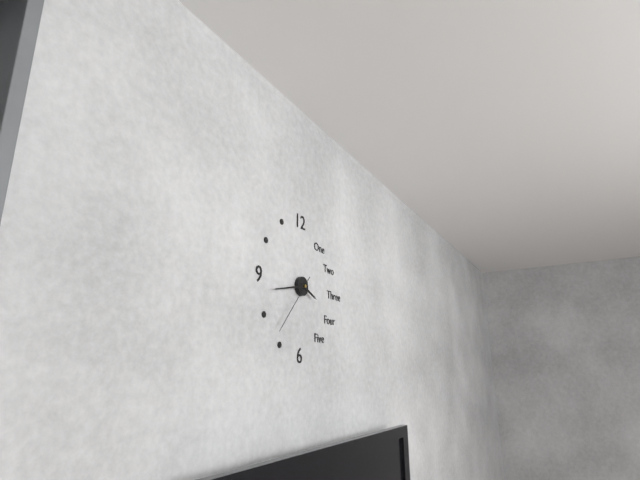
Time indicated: 3:43:37
